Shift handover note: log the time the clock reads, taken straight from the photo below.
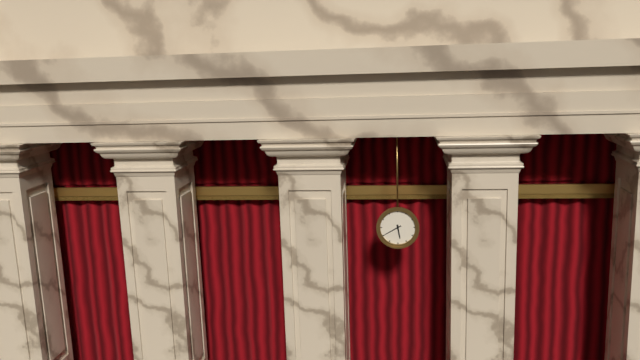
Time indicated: 5:40
